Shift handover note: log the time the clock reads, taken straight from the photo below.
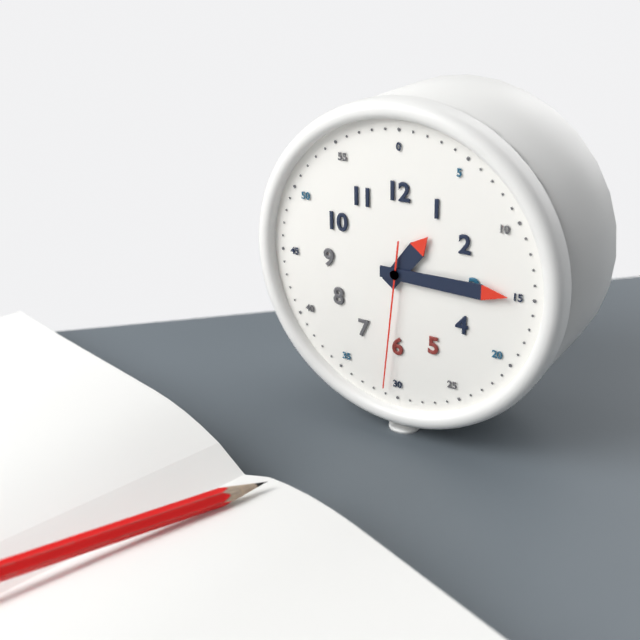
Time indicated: 1:15:31
